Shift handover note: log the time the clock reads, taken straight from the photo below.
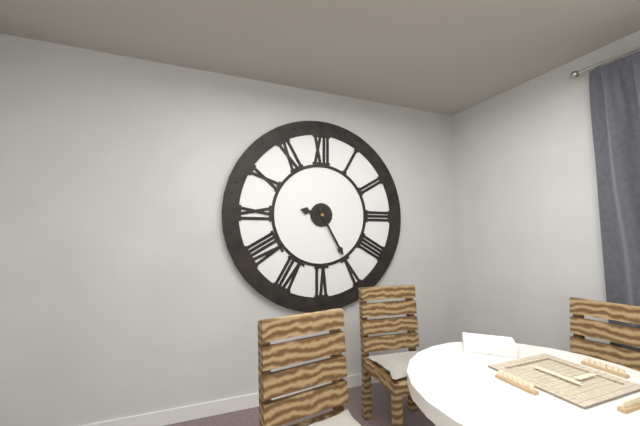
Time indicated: 9:25
